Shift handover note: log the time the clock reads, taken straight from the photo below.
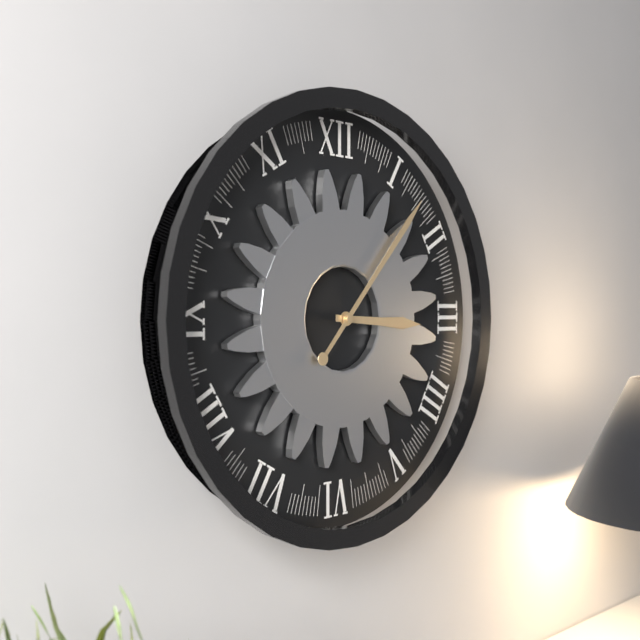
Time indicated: 3:07
